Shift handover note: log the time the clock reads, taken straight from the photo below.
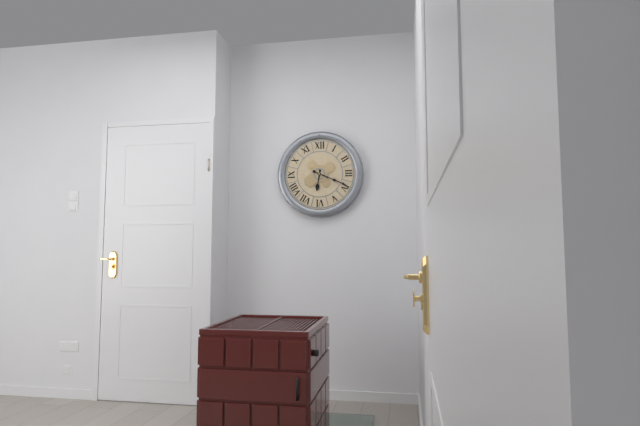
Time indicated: 6:19
